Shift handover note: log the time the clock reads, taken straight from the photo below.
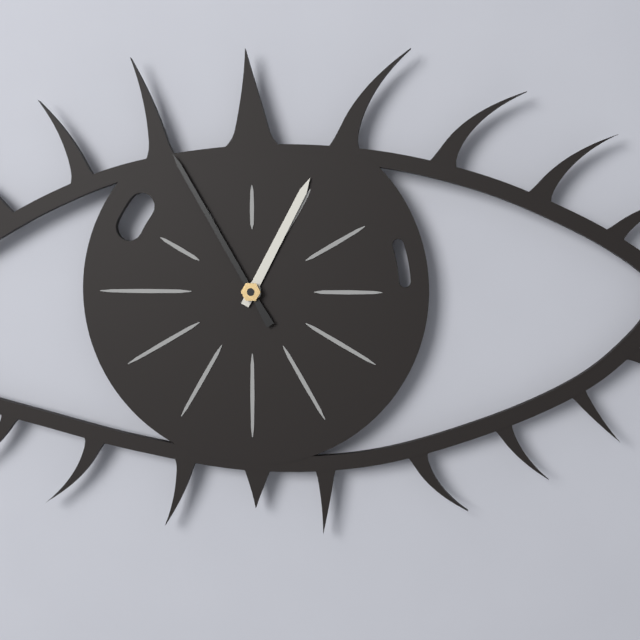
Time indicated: 12:55
